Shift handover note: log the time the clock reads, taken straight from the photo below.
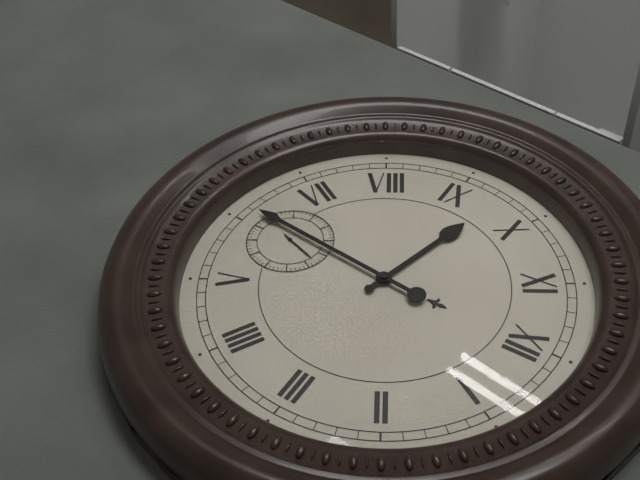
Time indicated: 9:31
